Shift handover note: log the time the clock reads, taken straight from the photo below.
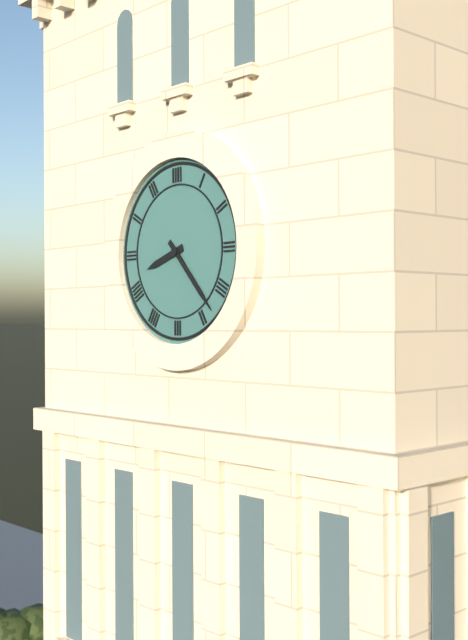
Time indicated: 8:23
